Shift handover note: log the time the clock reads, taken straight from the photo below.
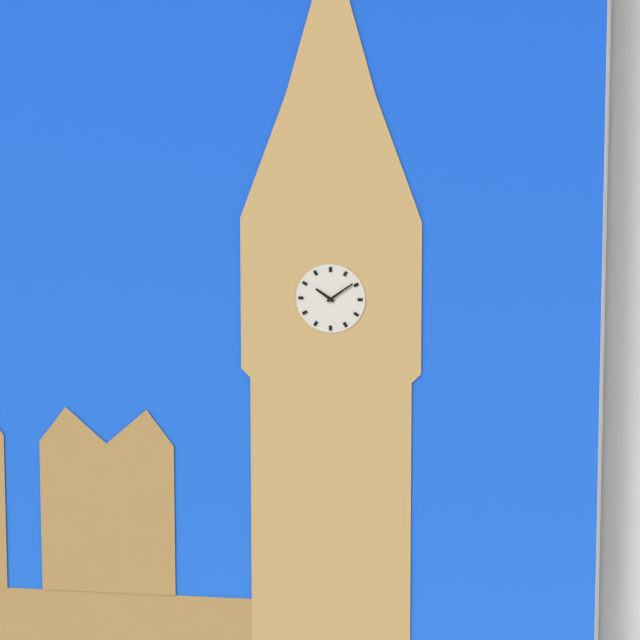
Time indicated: 10:09
